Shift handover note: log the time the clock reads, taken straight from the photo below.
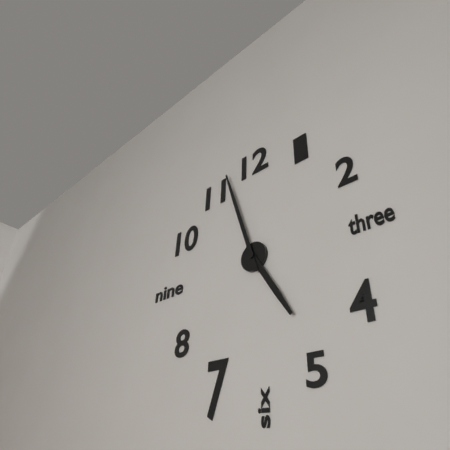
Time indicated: 4:57
